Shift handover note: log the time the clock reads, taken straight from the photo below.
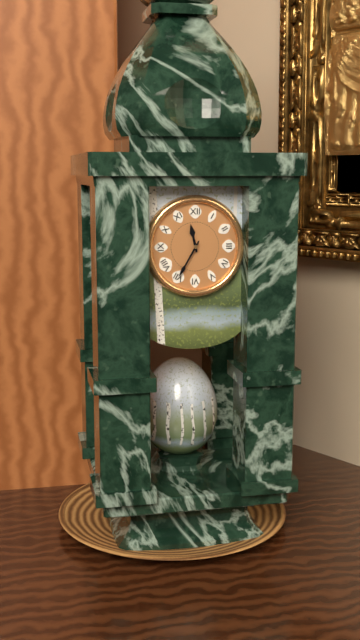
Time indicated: 11:35
